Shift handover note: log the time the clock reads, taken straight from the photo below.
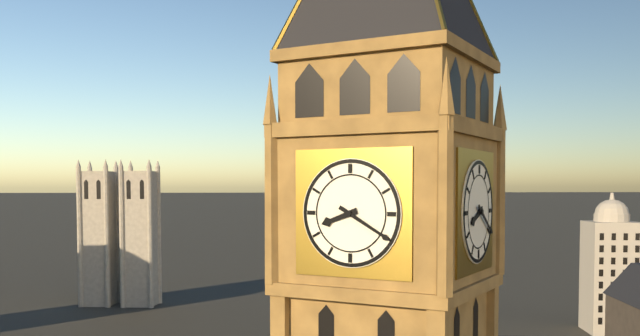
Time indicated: 8:20
